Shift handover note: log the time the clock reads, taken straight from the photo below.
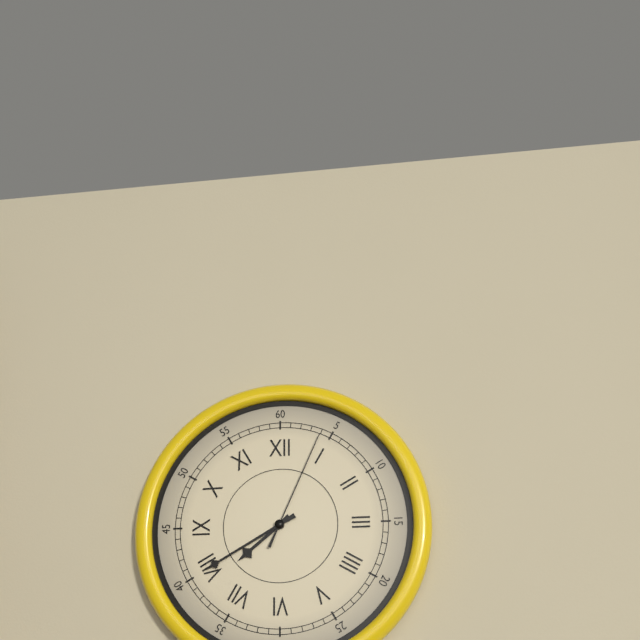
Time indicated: 7:40:04
